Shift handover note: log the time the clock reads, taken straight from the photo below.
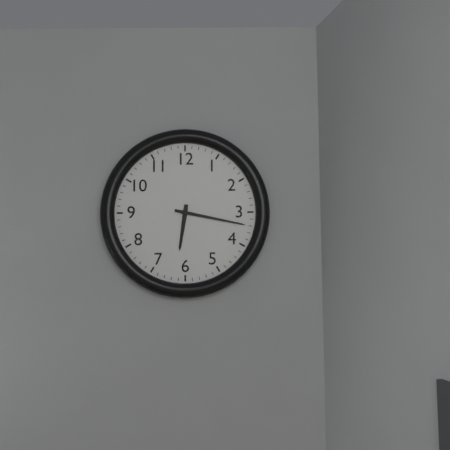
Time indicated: 6:17
